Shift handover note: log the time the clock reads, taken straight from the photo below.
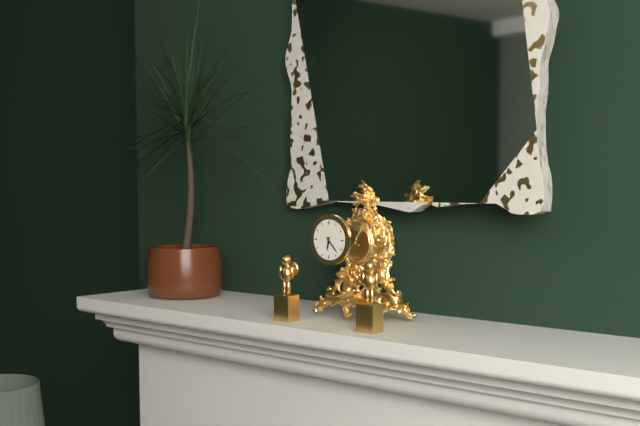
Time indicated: 6:23
